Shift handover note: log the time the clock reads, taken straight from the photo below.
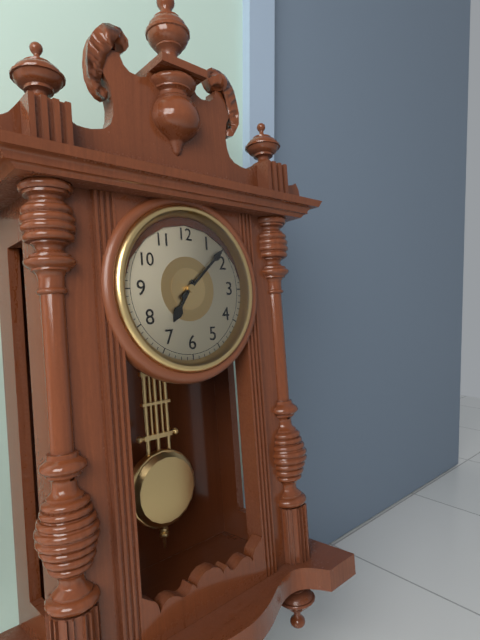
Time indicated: 7:08
